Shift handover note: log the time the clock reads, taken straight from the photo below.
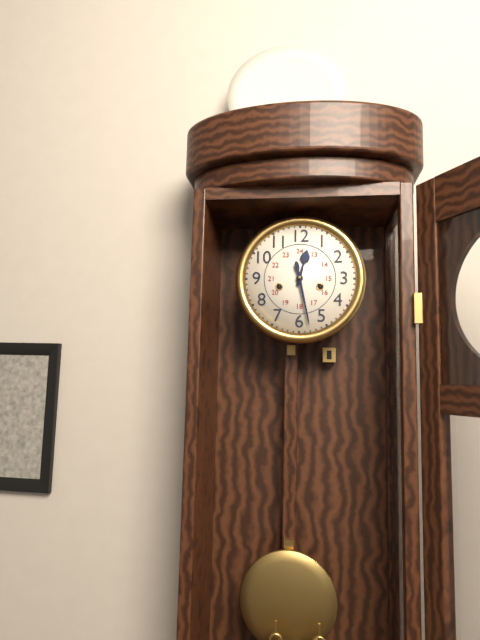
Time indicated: 12:28
